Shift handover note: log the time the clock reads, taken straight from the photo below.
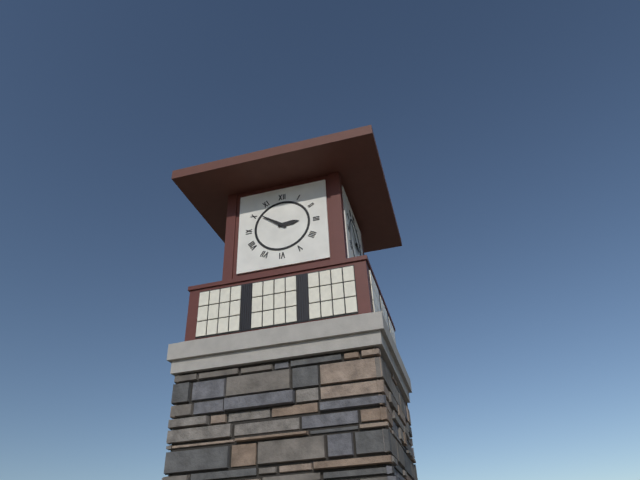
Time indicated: 2:51
